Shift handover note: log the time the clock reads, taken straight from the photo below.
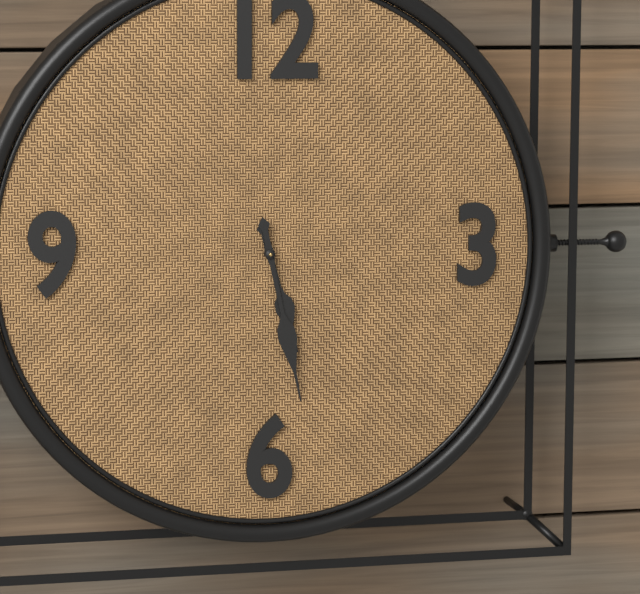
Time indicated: 5:28
